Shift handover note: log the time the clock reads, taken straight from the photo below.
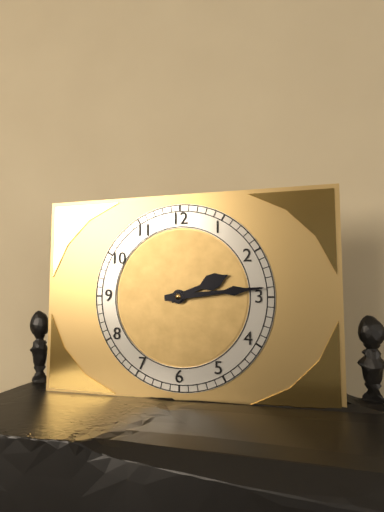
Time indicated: 2:14
